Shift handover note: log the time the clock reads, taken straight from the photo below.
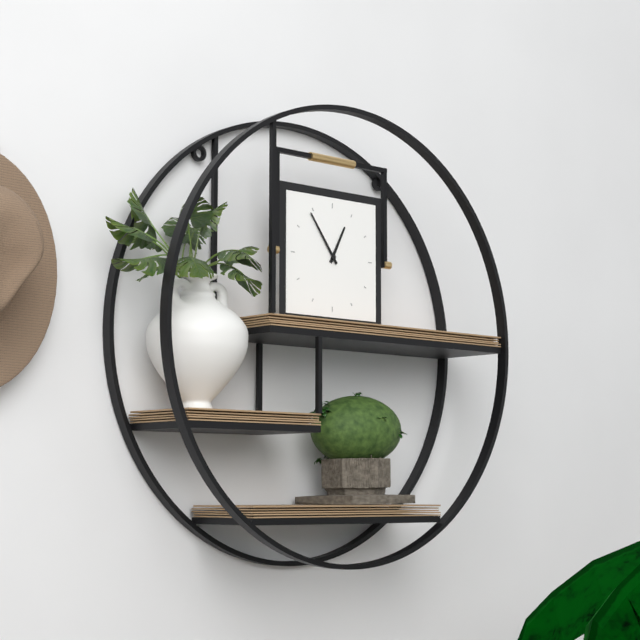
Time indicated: 12:54
